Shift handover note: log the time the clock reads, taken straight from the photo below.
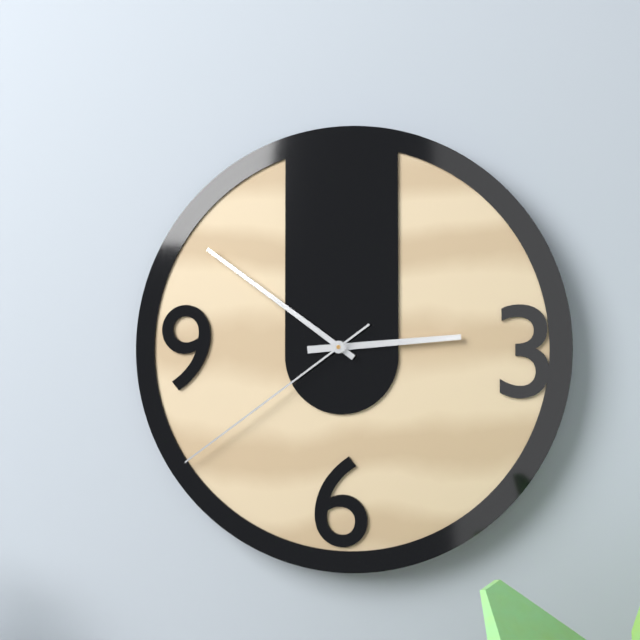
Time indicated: 2:51:39
